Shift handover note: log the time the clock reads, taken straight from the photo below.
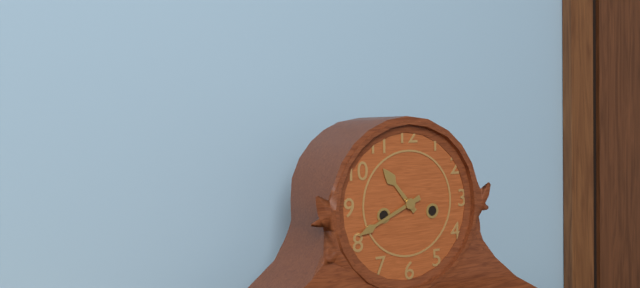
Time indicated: 10:41
